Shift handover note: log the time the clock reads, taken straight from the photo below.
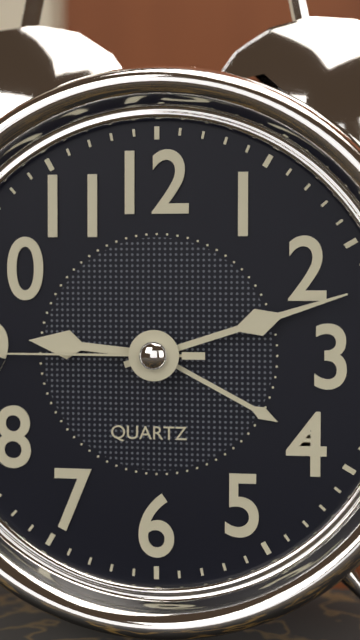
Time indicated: 9:12
